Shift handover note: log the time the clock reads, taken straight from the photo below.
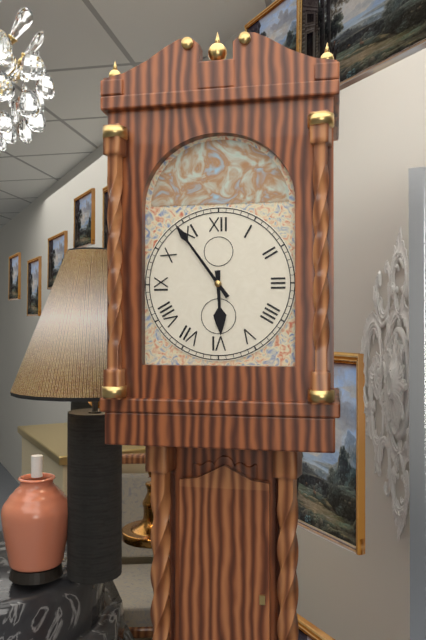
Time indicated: 5:54
